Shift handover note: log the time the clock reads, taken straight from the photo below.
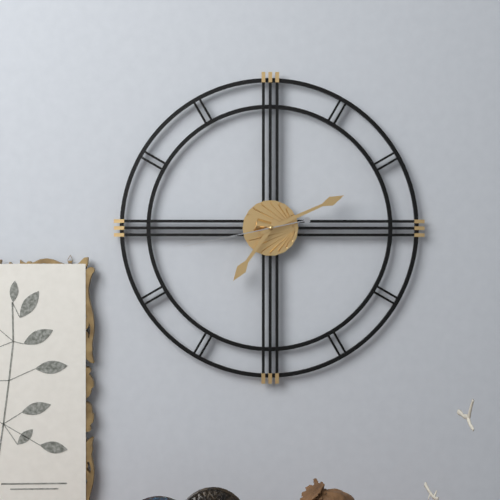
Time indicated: 7:11:43
